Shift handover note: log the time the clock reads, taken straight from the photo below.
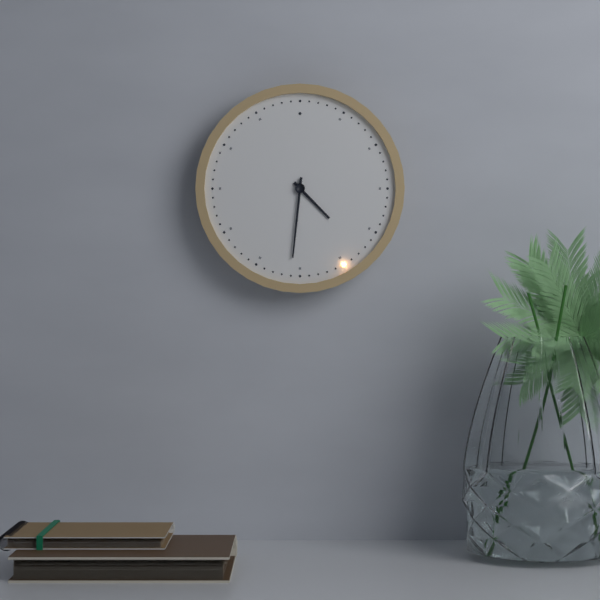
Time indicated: 4:31
